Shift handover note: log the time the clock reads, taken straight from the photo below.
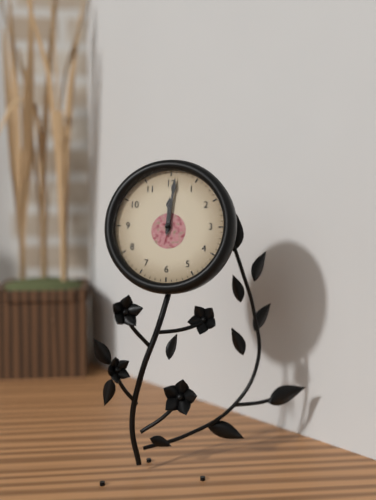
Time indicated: 12:01
